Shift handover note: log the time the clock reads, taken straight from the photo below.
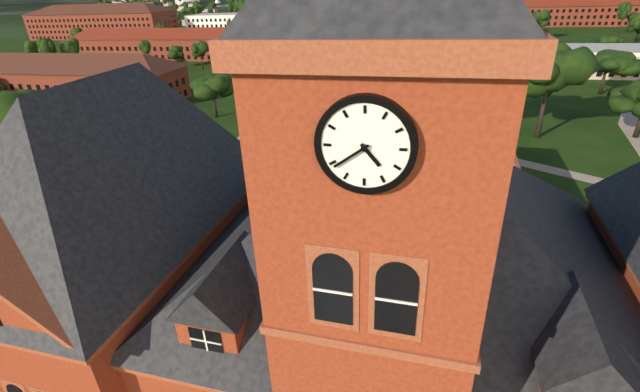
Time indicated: 4:39
